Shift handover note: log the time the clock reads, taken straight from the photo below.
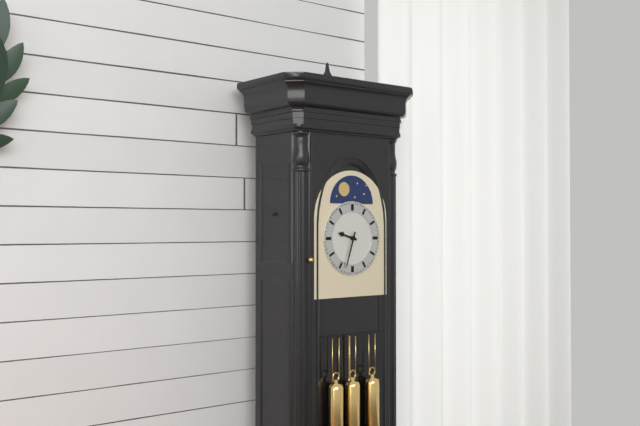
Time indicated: 9:33
